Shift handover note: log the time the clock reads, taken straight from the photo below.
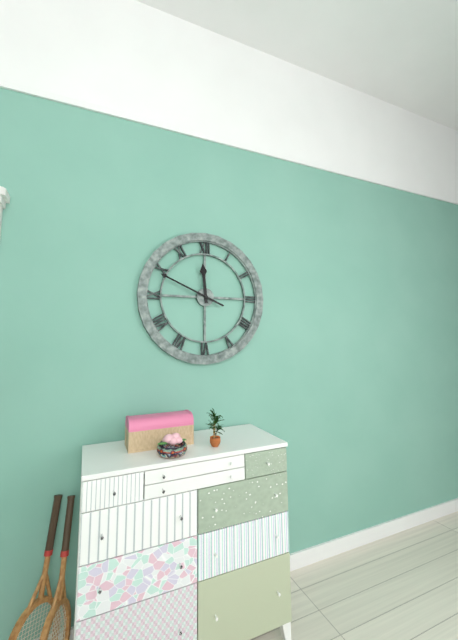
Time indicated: 11:49
